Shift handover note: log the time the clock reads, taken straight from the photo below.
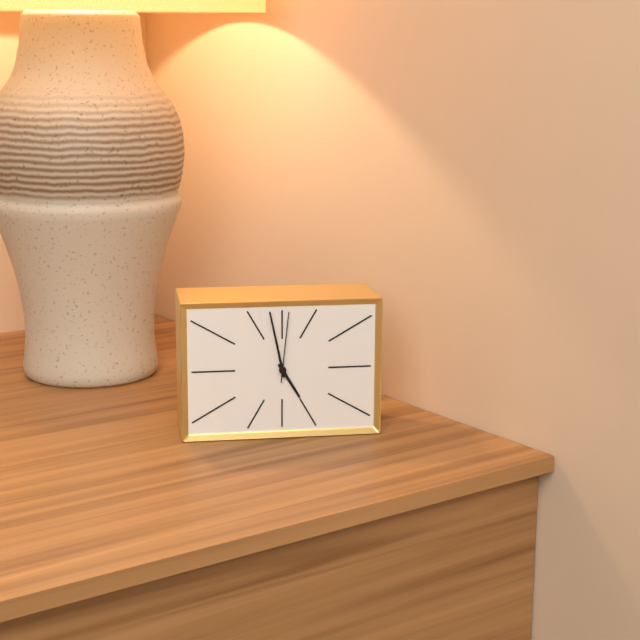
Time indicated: 4:58:01
